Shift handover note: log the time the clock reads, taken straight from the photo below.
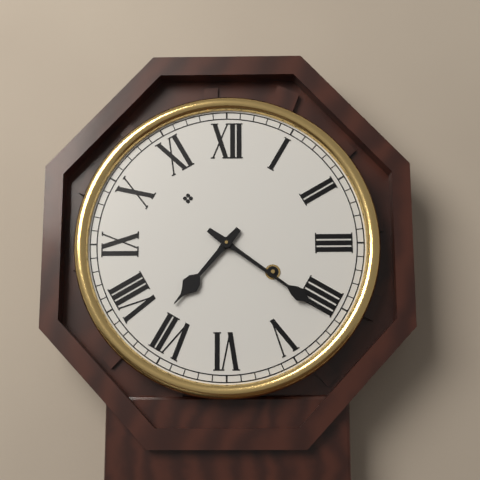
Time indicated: 7:21
